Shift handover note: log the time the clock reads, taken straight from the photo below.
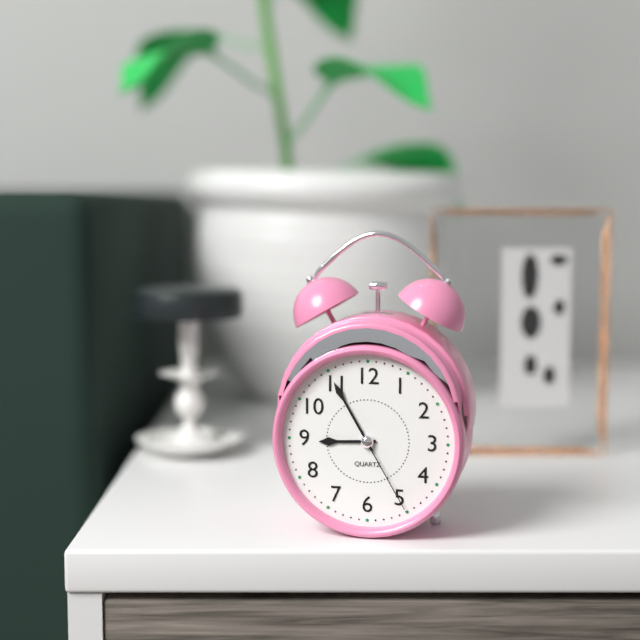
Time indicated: 8:55:25
